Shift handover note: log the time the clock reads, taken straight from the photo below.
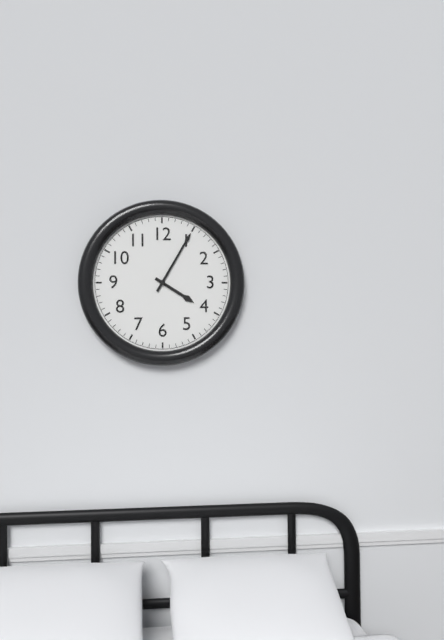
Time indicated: 4:05
